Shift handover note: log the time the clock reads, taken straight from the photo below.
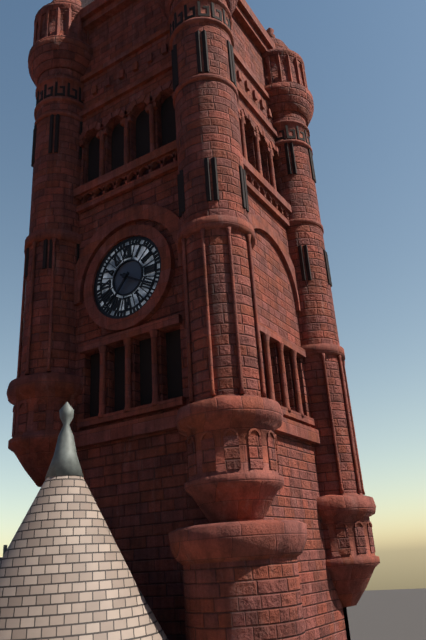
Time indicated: 7:20
